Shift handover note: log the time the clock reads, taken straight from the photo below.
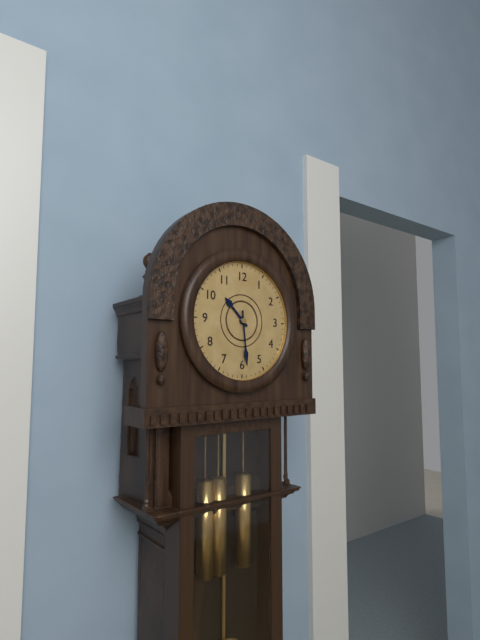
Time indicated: 10:29
